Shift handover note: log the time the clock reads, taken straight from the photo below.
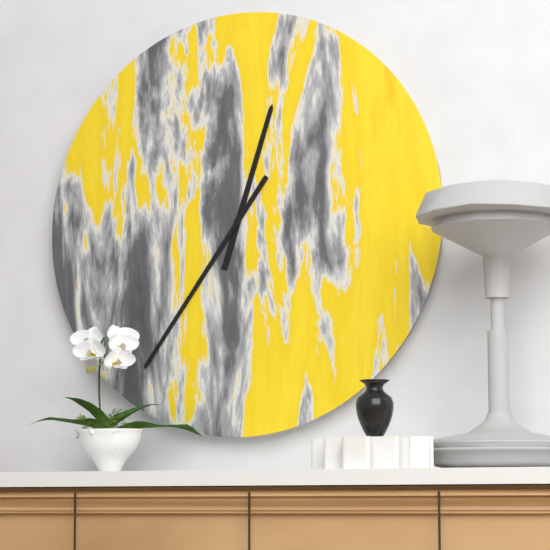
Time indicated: 12:36
